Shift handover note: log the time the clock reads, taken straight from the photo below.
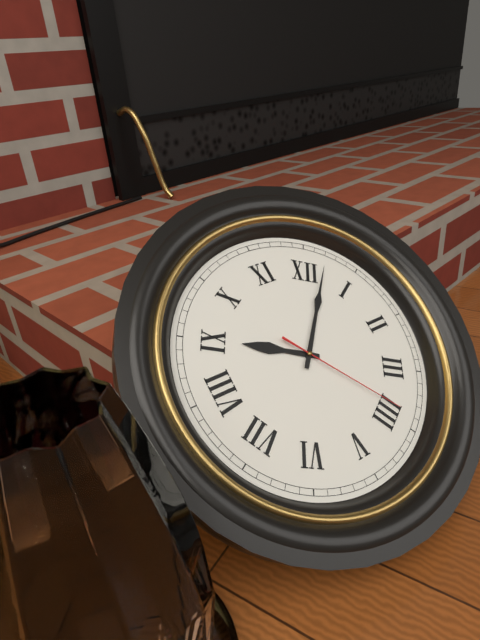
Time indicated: 9:02:19
